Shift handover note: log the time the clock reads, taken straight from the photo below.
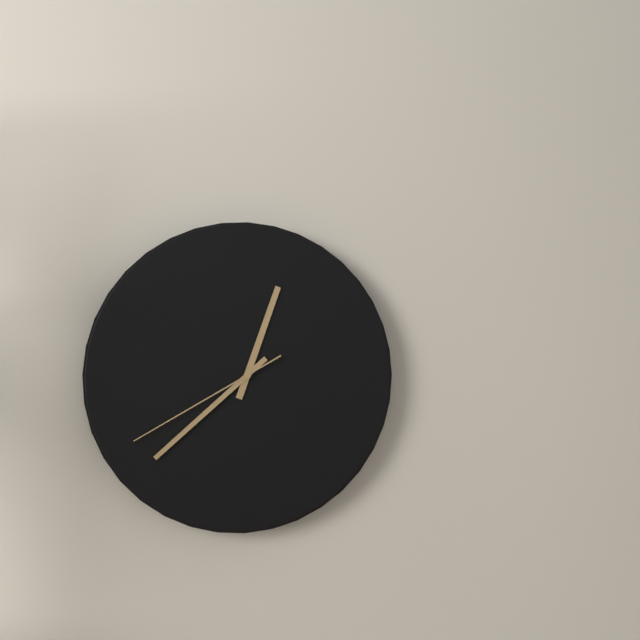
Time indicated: 12:38:40
